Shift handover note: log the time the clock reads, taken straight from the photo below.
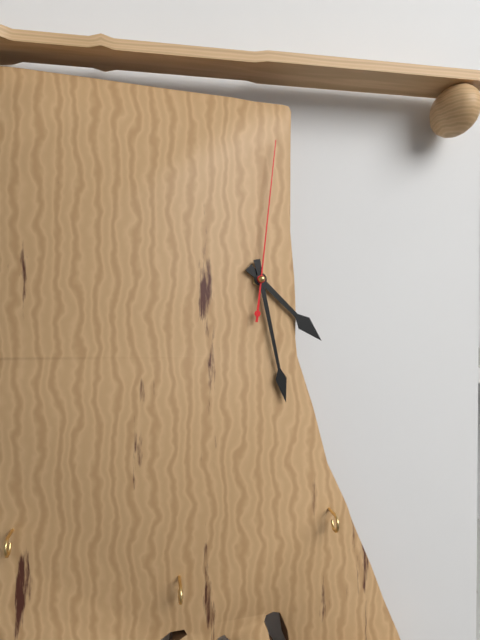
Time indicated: 4:28:01
